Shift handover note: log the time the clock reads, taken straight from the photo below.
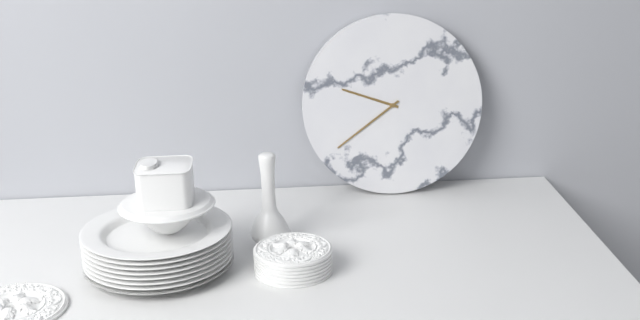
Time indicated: 9:39
